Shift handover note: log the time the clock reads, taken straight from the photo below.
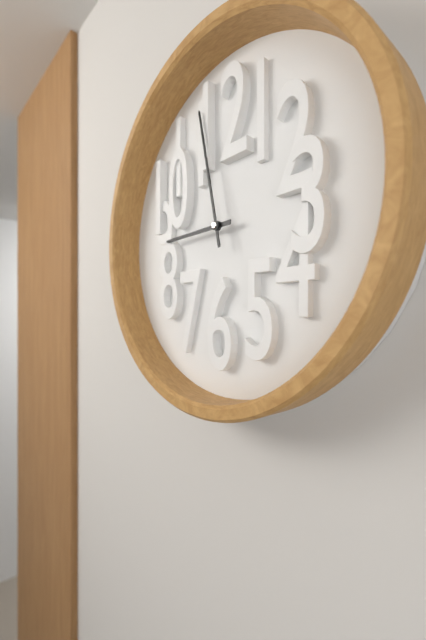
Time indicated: 8:58
